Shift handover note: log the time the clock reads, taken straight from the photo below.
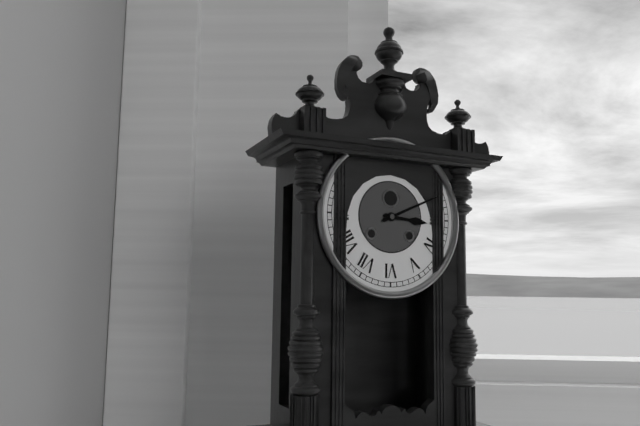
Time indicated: 3:11
